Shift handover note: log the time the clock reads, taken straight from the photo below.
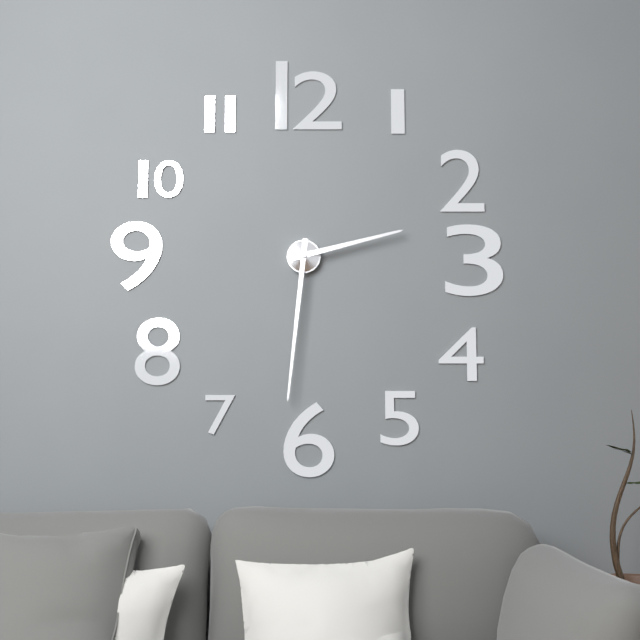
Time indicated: 2:31
